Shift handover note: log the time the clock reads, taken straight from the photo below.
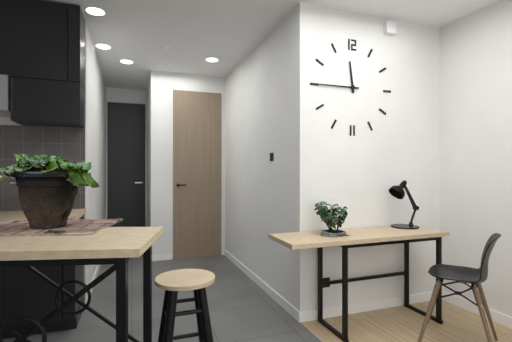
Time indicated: 11:45
